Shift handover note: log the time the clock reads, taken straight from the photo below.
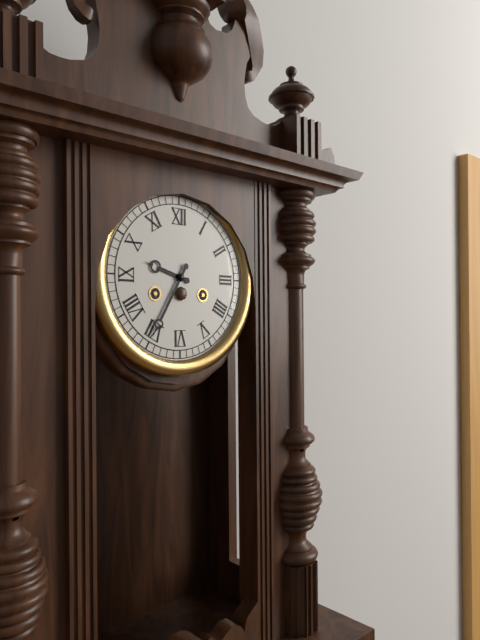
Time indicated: 9:35
